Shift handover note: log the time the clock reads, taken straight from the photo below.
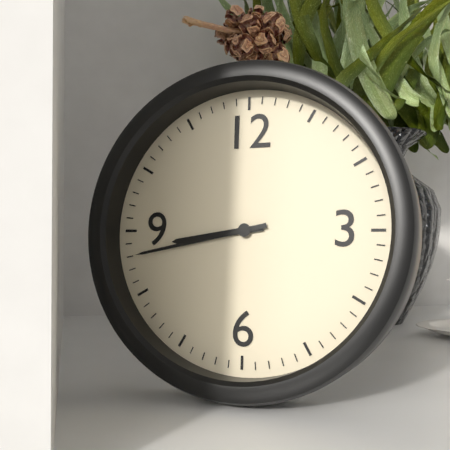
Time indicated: 8:43
